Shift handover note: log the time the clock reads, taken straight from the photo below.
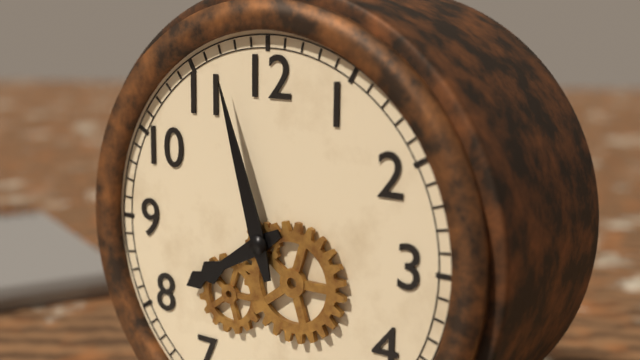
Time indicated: 7:57
